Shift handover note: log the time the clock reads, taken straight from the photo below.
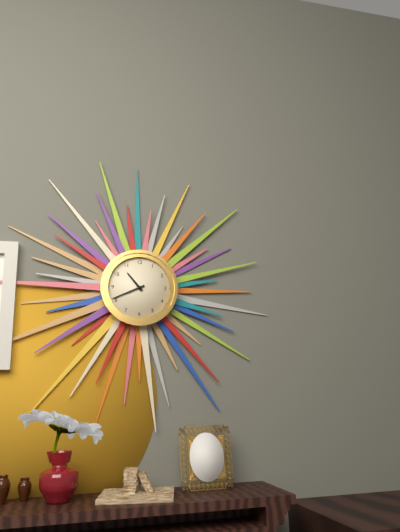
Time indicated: 10:41
